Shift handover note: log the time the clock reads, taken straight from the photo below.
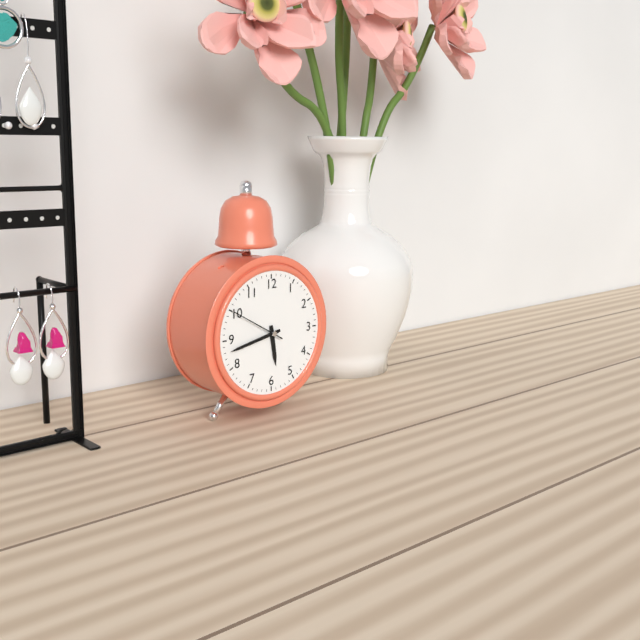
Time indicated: 5:43:50
